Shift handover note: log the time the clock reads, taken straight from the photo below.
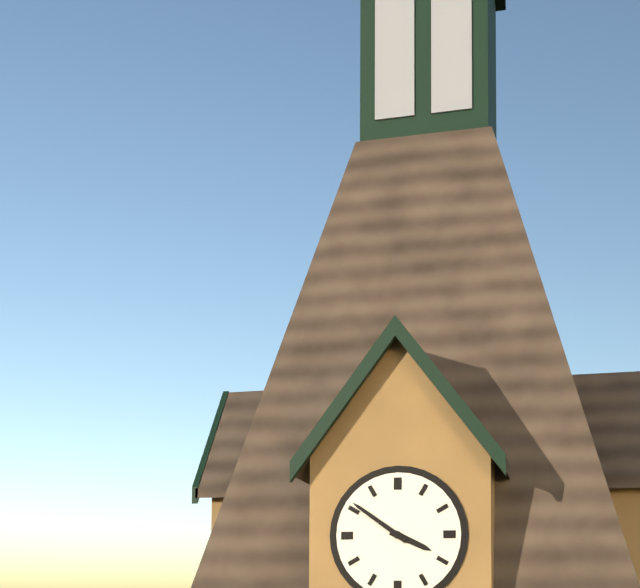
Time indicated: 3:51
